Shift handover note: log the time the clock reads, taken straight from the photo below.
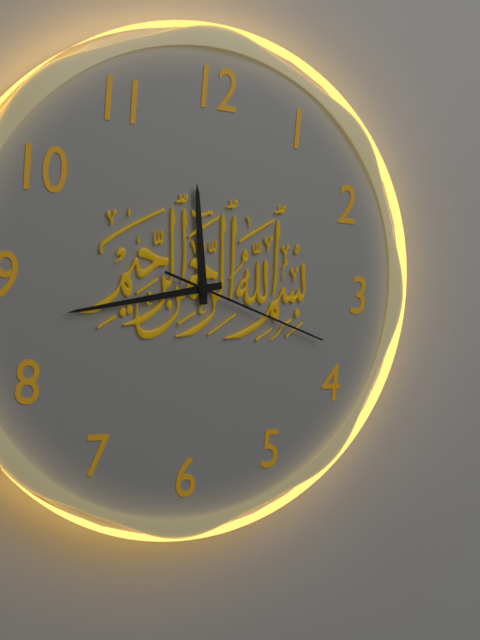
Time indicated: 11:43:18
